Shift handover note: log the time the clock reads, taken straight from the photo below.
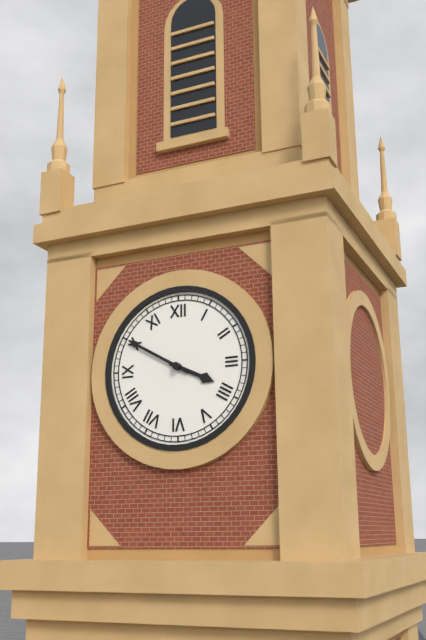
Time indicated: 3:50
